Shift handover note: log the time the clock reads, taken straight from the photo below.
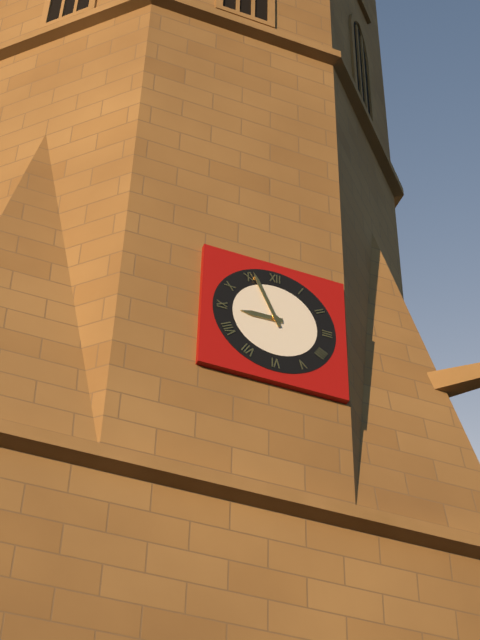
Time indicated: 8:56
